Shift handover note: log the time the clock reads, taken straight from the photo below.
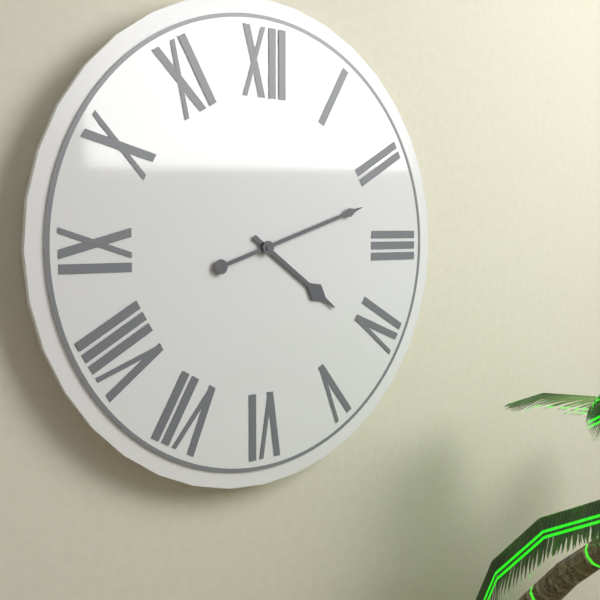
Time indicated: 4:12
